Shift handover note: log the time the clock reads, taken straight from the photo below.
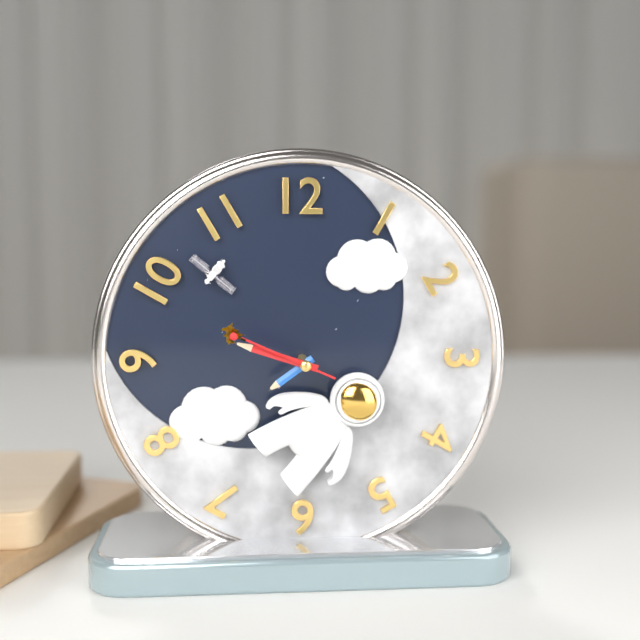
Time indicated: 7:48:49
